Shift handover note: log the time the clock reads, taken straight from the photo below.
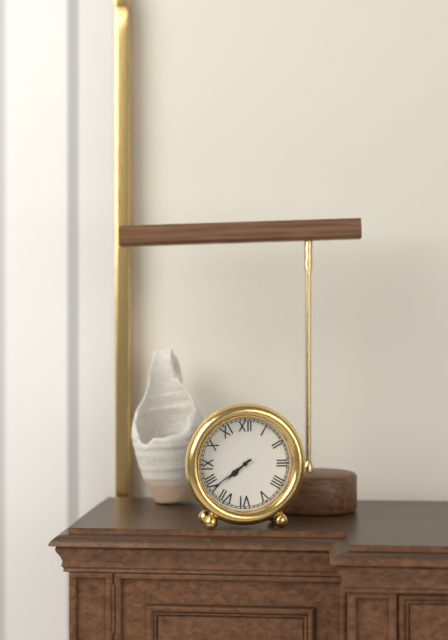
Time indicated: 7:39
